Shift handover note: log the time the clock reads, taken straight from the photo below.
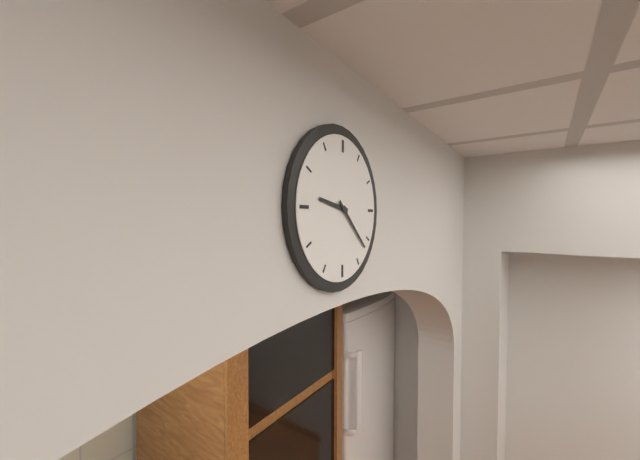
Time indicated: 9:22
